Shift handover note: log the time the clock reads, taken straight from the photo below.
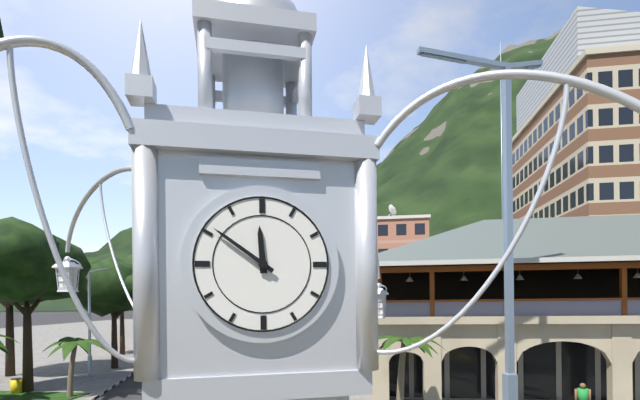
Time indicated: 11:51
